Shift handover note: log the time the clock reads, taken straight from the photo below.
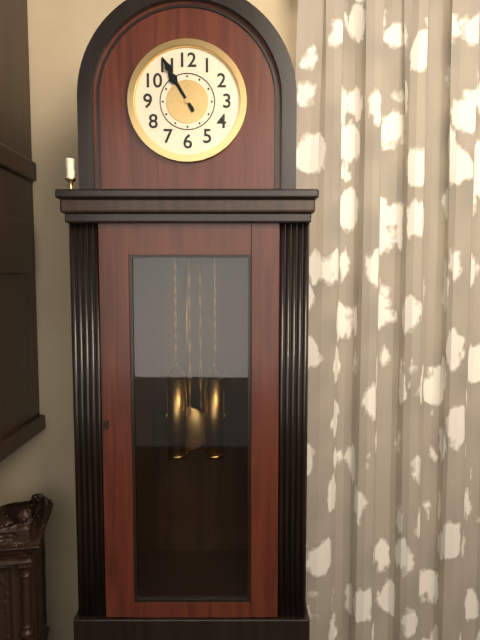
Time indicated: 10:55
